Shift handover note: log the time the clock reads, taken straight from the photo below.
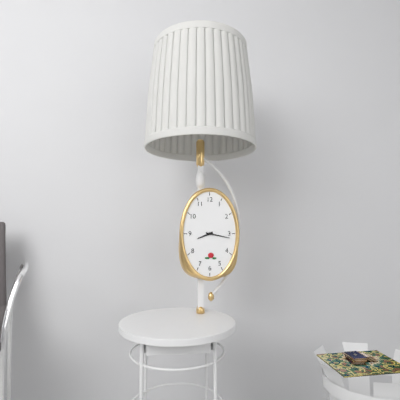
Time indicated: 8:17
